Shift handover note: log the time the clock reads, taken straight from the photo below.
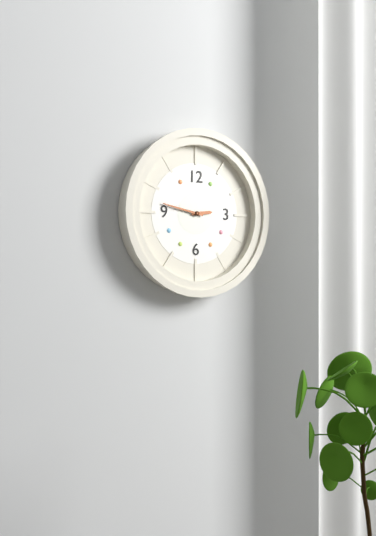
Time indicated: 2:47
